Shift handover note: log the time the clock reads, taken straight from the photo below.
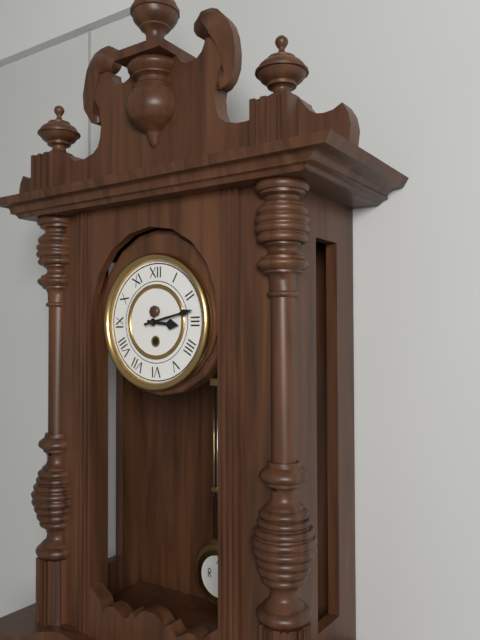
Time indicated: 3:13
